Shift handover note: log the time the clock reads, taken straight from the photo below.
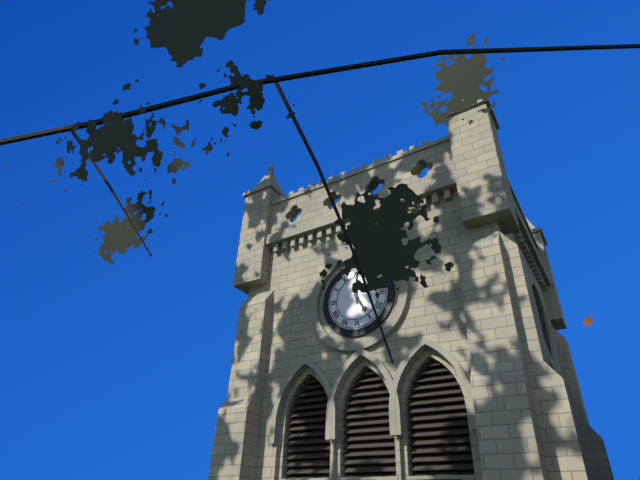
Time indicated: 5:00
